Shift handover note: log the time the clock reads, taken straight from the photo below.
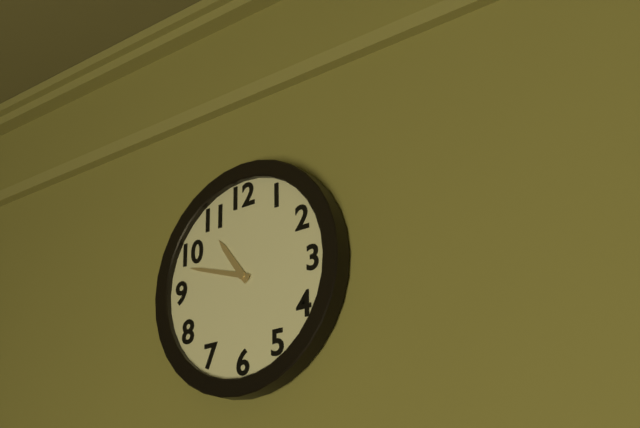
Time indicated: 10:48
